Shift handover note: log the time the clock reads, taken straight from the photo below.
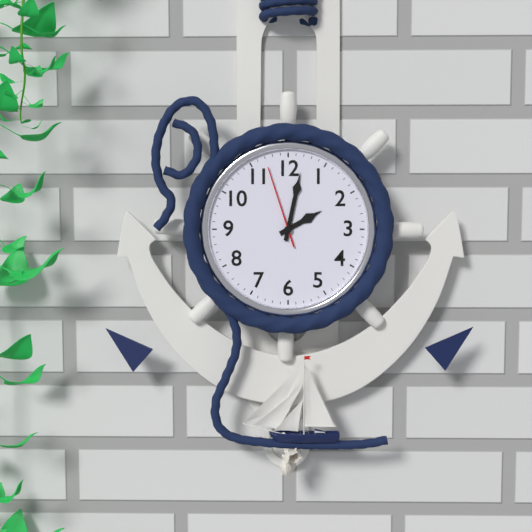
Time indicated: 2:02:57
